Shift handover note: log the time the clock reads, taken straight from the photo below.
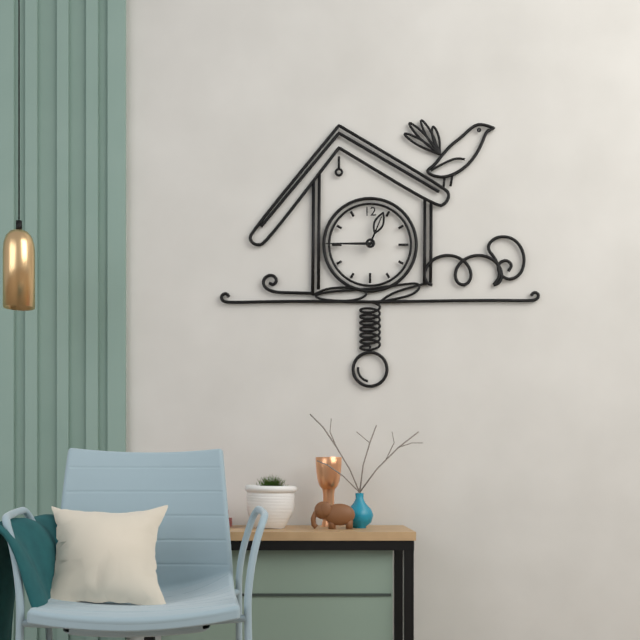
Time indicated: 12:45
